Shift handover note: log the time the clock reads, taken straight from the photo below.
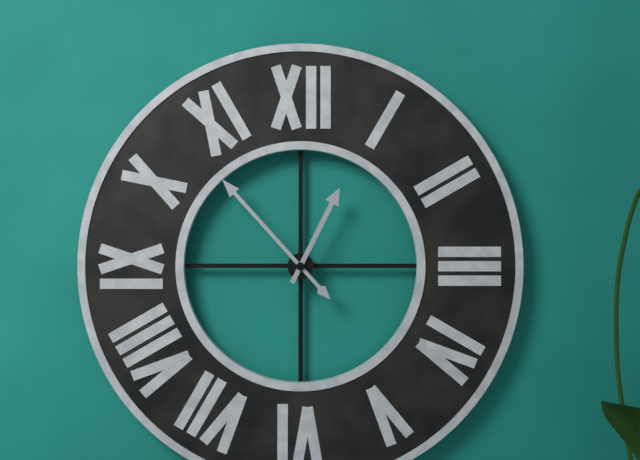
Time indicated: 12:53
